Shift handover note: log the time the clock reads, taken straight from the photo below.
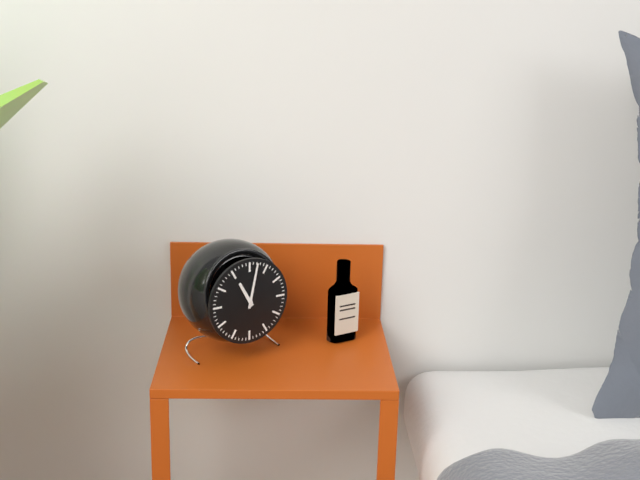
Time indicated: 11:02
